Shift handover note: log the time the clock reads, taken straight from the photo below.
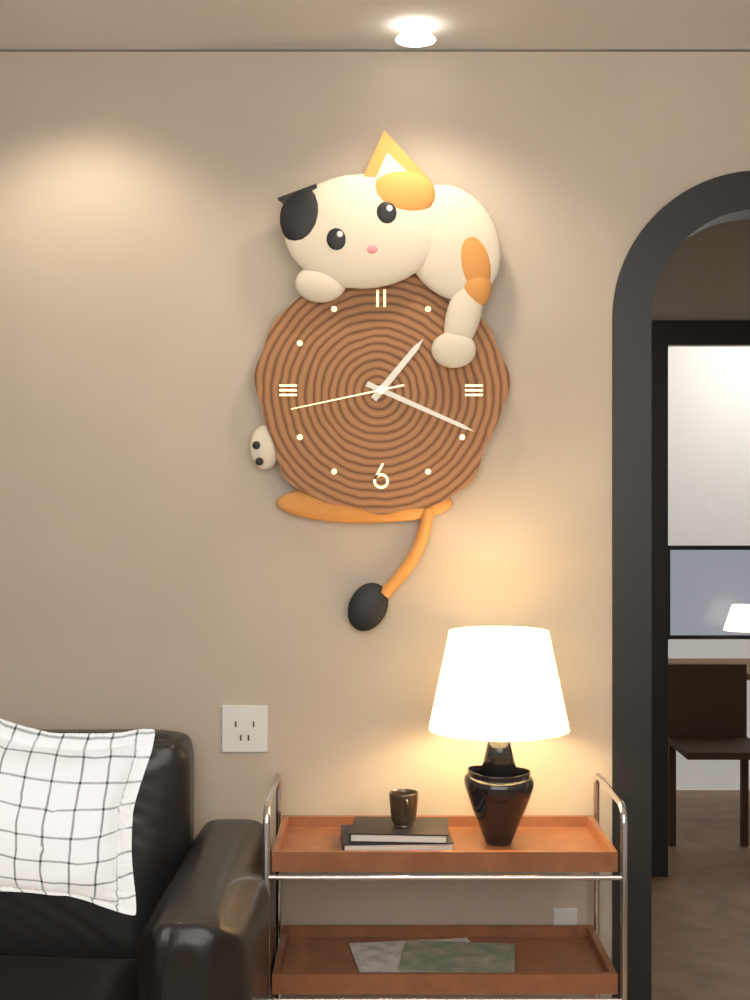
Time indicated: 1:19:43
